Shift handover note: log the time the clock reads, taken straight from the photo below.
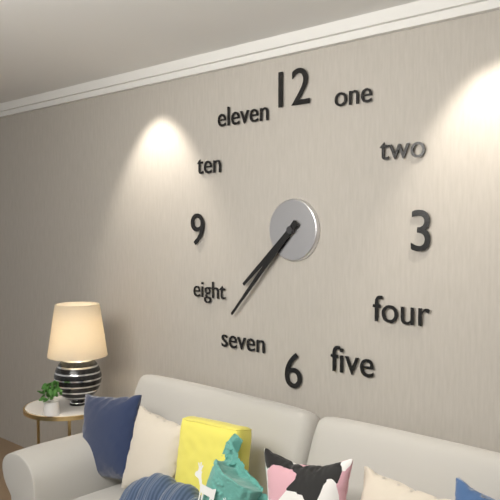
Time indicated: 7:37
